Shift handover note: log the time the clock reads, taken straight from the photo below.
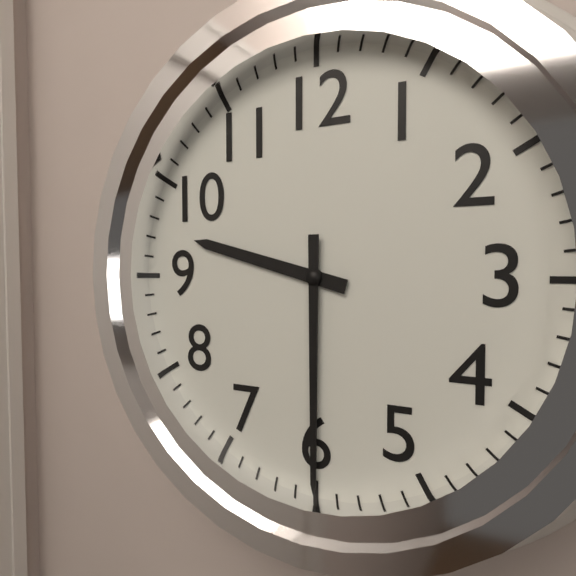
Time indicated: 9:30
